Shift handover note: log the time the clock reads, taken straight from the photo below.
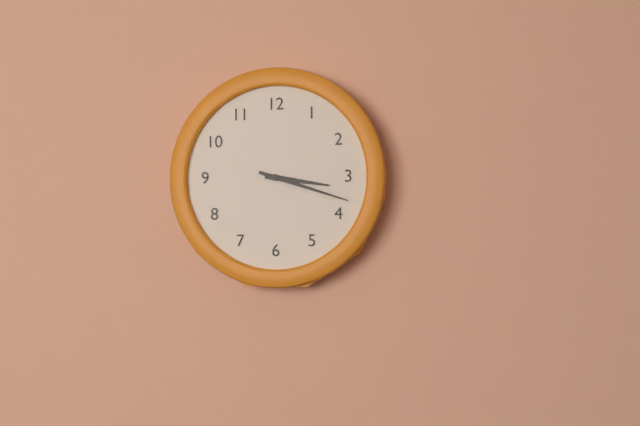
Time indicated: 3:18
